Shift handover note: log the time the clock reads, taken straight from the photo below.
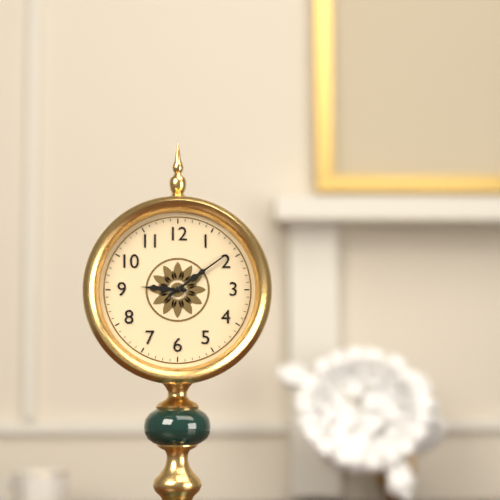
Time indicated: 9:09
